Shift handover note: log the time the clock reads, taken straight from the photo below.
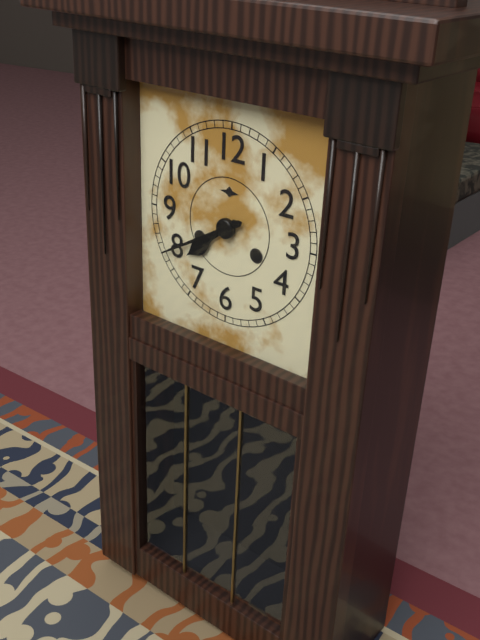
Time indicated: 7:40
